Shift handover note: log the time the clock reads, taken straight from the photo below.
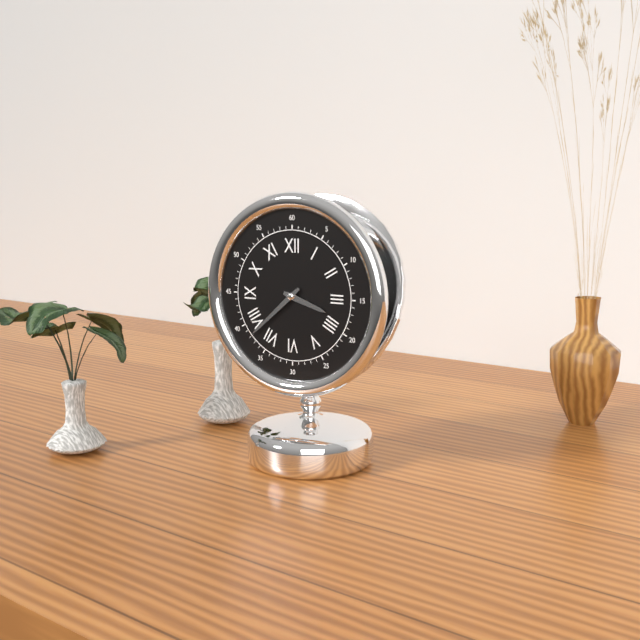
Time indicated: 3:38
